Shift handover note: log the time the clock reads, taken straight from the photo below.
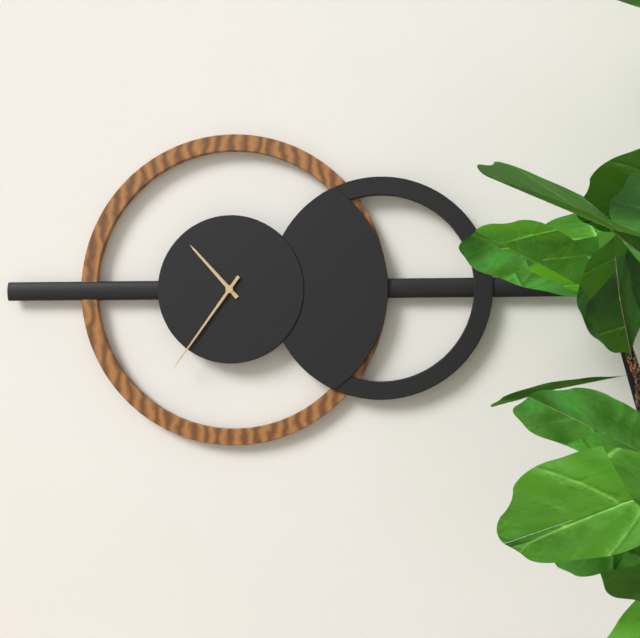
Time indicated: 10:36
